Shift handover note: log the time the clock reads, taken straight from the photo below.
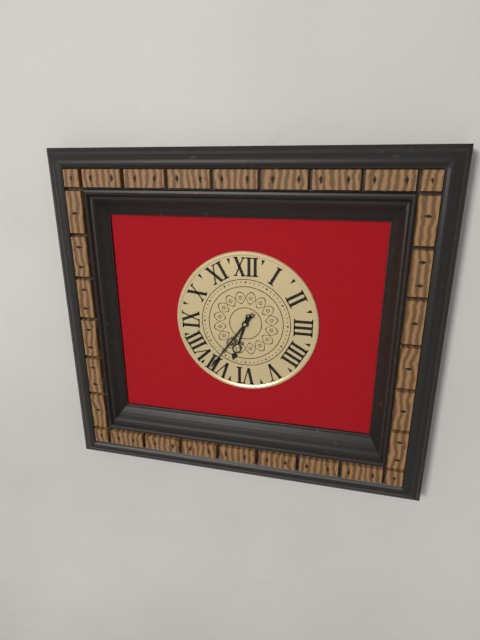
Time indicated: 6:36
